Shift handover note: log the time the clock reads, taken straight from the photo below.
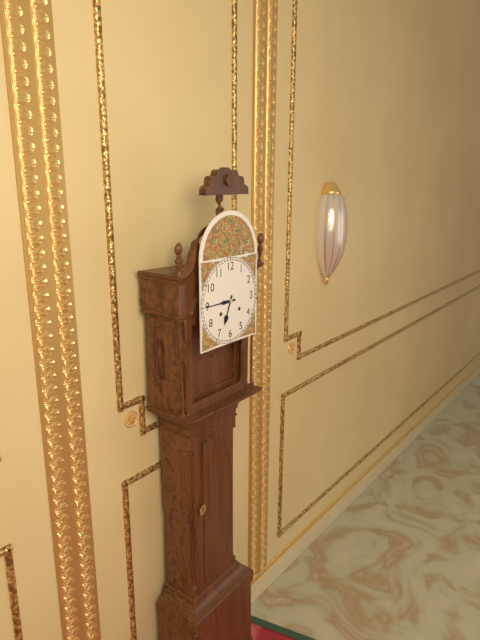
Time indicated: 6:45
